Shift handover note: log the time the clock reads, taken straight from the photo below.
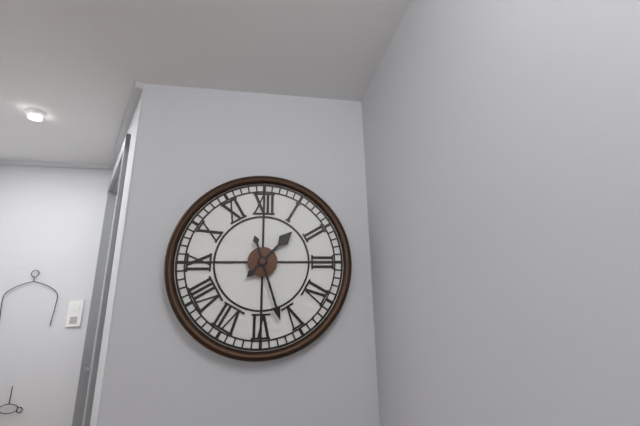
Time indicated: 1:27
